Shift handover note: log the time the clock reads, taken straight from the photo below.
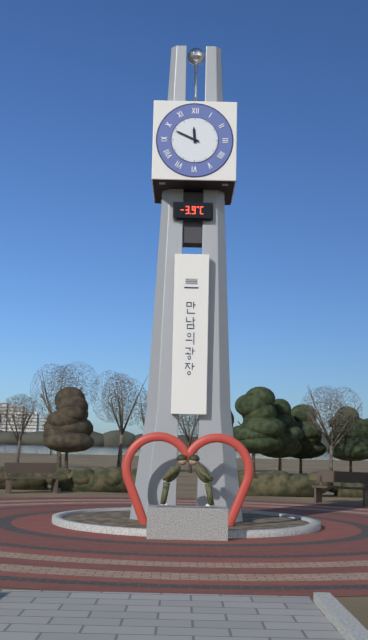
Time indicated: 11:49
